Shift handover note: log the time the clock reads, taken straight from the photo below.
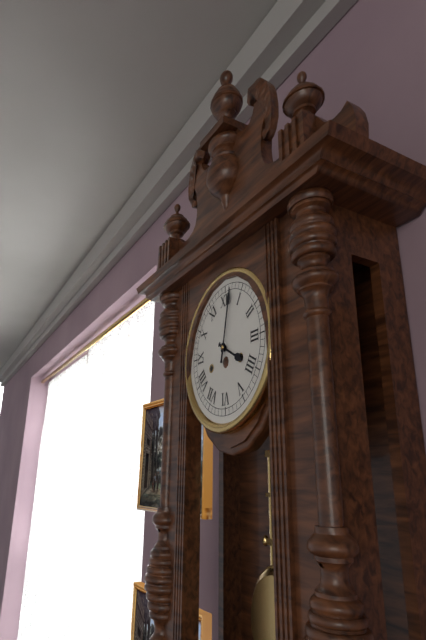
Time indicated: 4:02
